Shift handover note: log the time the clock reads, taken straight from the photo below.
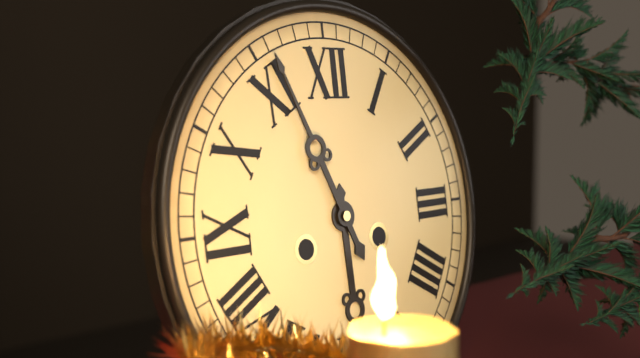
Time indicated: 5:56
